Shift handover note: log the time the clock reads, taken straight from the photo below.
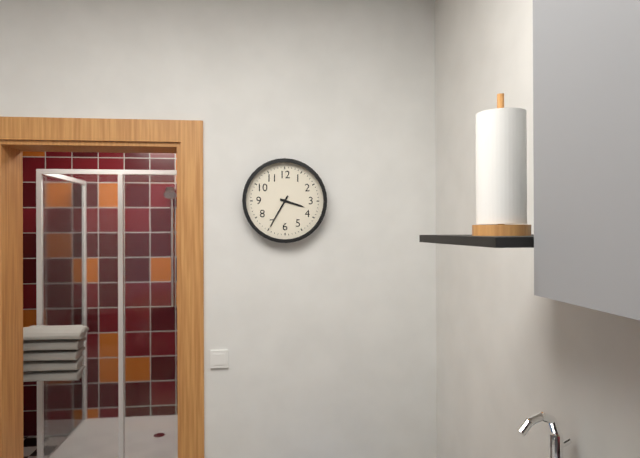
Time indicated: 3:35
